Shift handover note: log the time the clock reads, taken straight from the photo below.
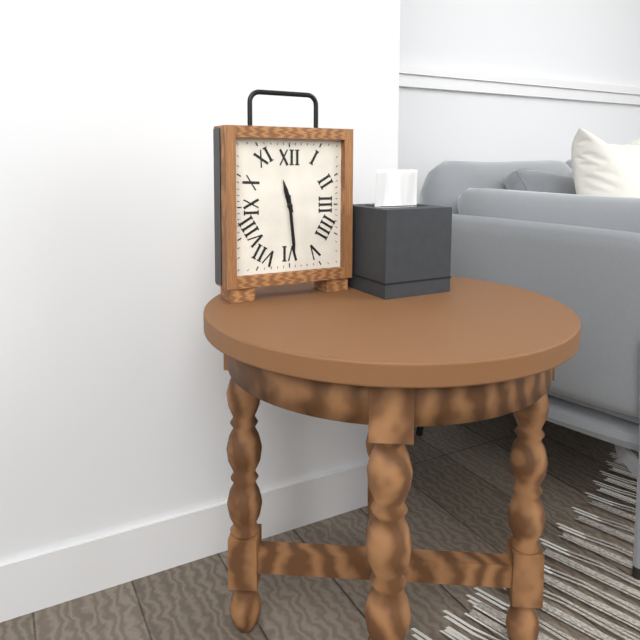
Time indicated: 11:29
